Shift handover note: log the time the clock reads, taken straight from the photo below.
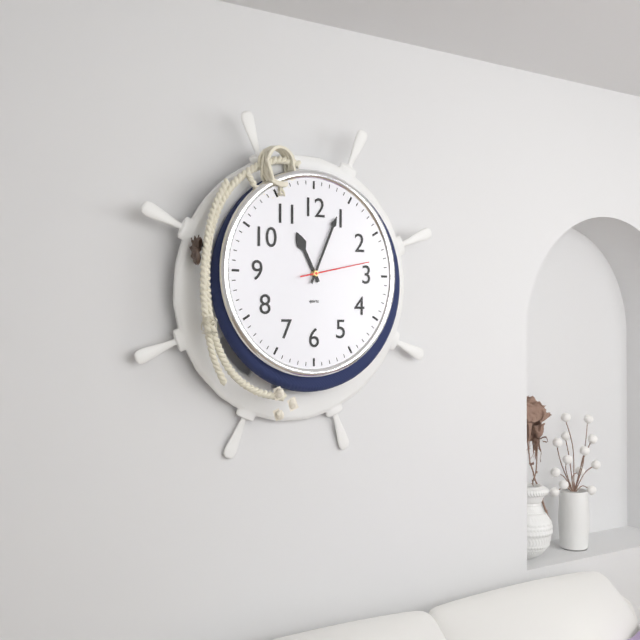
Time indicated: 11:04:13
